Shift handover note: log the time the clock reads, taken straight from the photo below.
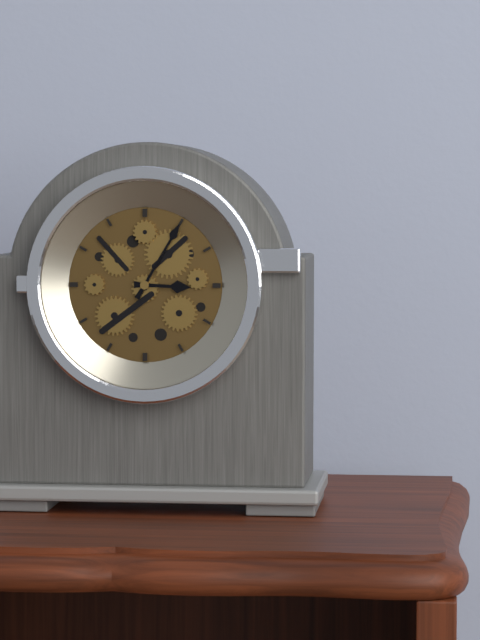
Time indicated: 3:05
